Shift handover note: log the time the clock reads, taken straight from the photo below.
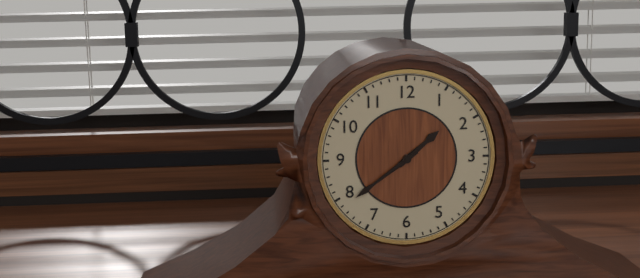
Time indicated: 1:39
